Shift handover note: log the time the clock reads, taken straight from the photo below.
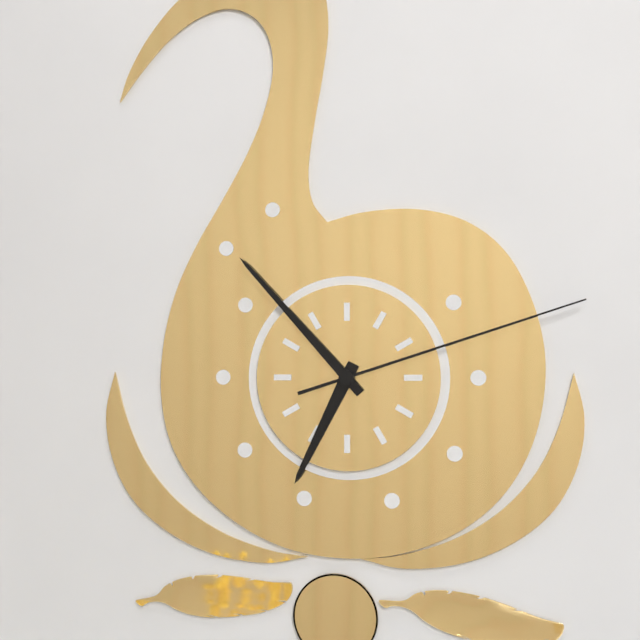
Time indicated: 6:53:12
